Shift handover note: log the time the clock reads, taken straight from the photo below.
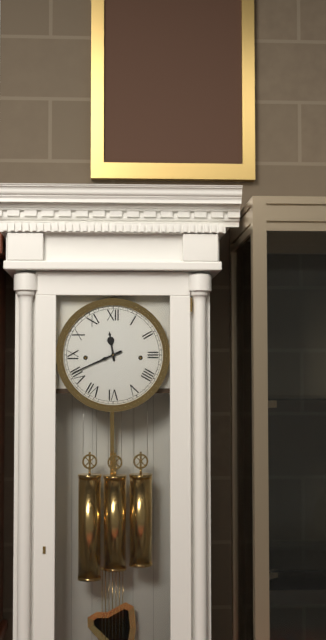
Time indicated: 11:41
